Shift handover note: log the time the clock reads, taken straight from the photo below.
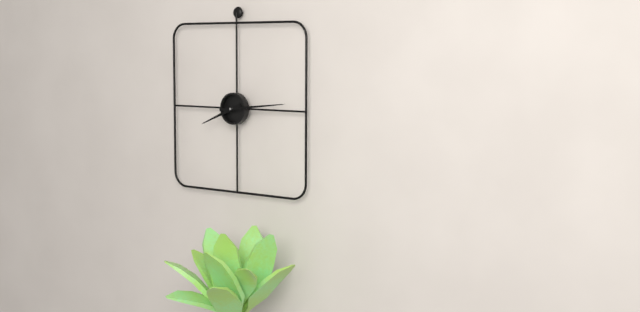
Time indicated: 8:14
